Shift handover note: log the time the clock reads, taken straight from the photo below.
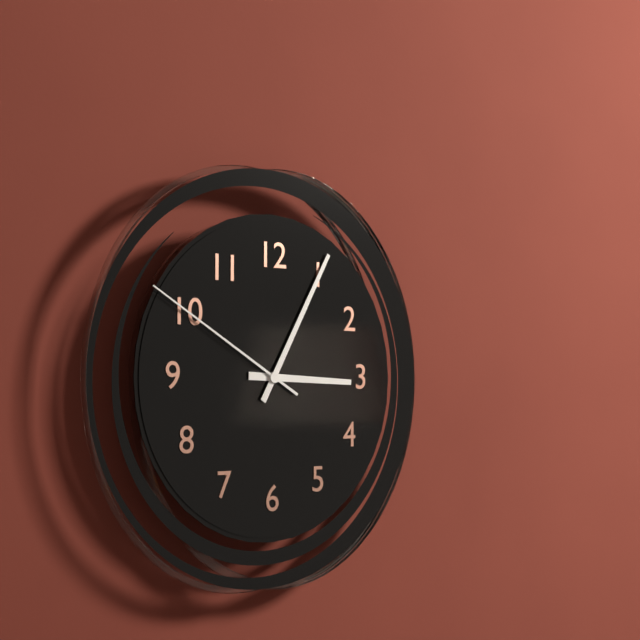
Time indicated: 3:05:50
